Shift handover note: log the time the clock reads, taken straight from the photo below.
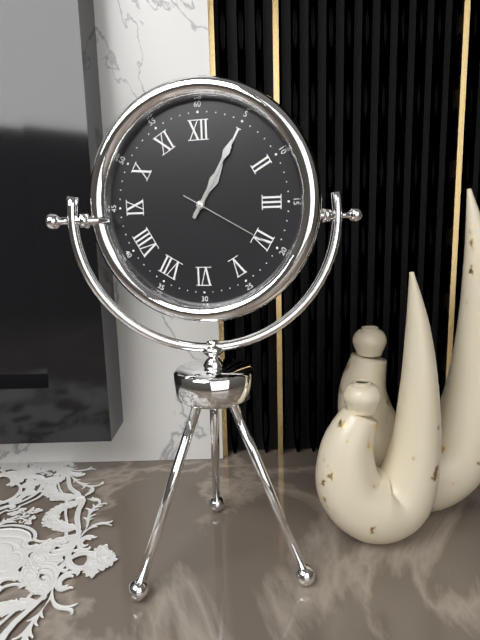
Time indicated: 1:05:20
